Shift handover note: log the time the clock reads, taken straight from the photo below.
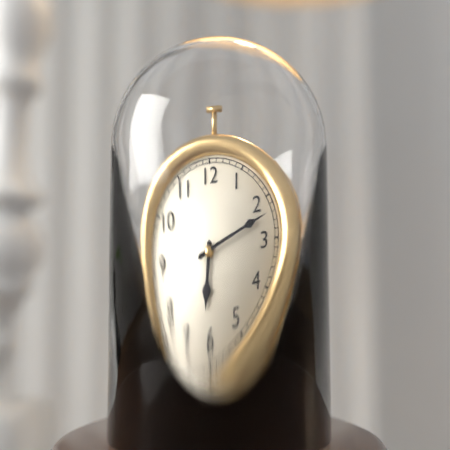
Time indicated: 6:12
